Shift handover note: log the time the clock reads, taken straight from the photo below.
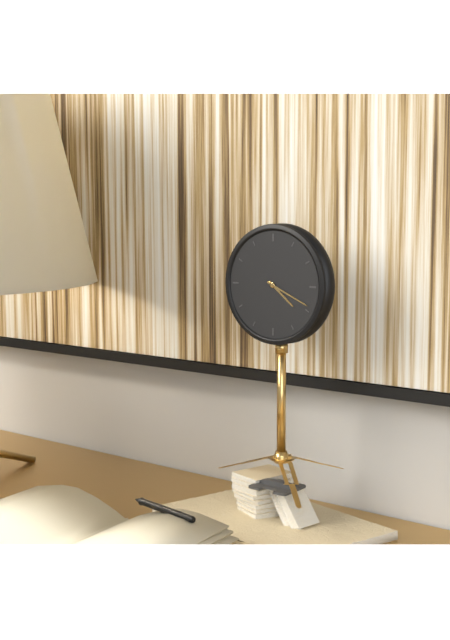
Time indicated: 4:19
